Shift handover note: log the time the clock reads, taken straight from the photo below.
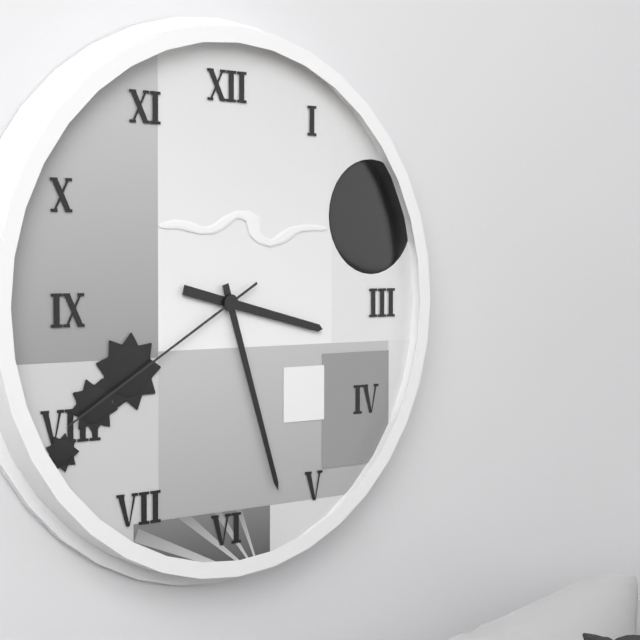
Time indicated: 3:27:40
